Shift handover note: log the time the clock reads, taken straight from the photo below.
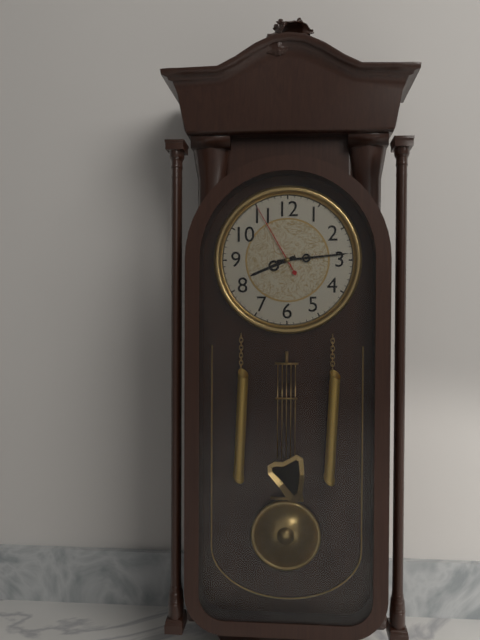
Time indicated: 8:14:55
